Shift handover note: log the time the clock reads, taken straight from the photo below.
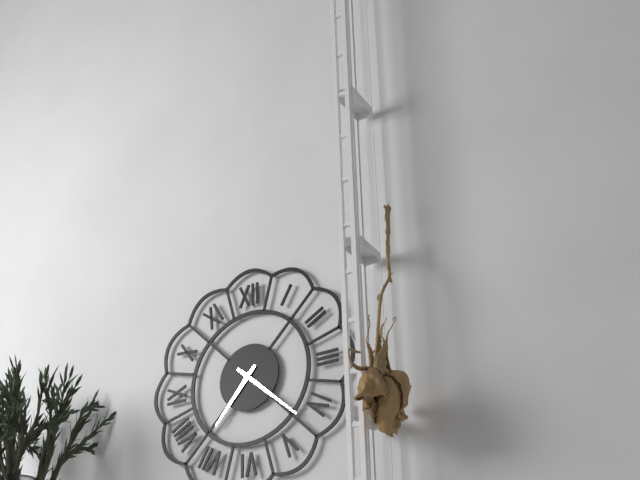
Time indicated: 7:22
